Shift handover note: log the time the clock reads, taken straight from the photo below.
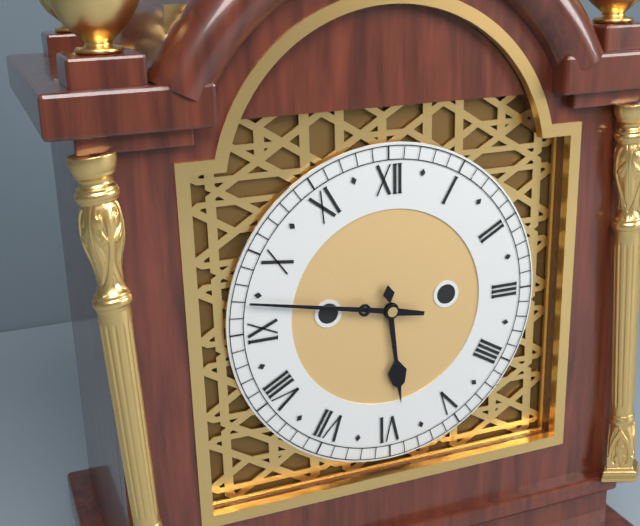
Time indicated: 5:47
